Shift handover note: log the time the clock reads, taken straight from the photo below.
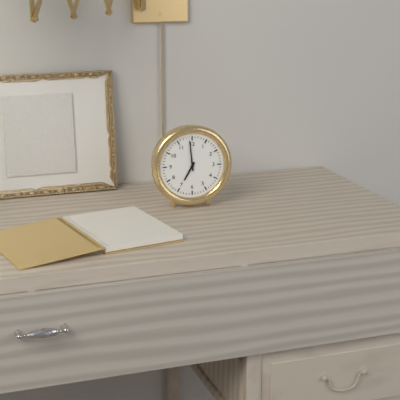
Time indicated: 6:59
